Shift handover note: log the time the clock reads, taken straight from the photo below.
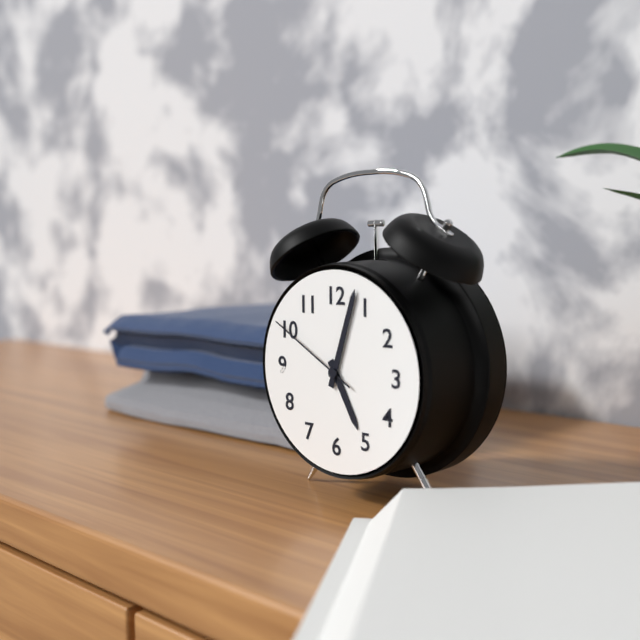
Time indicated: 5:03:50
